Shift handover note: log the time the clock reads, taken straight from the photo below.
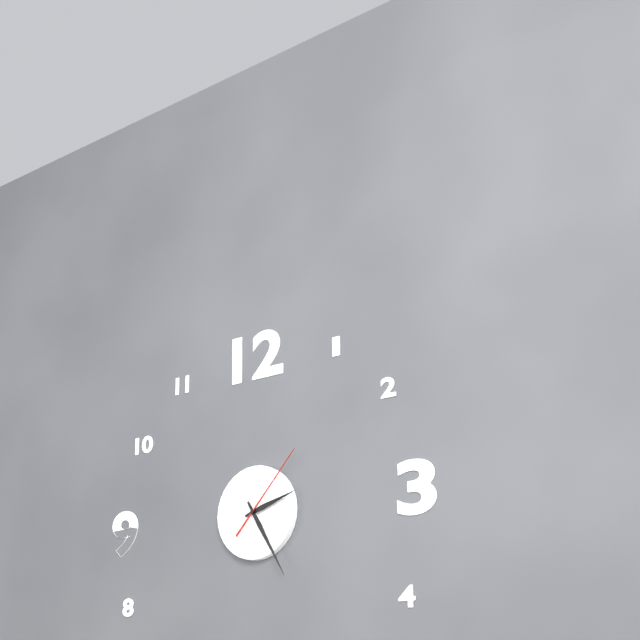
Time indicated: 2:25:07
